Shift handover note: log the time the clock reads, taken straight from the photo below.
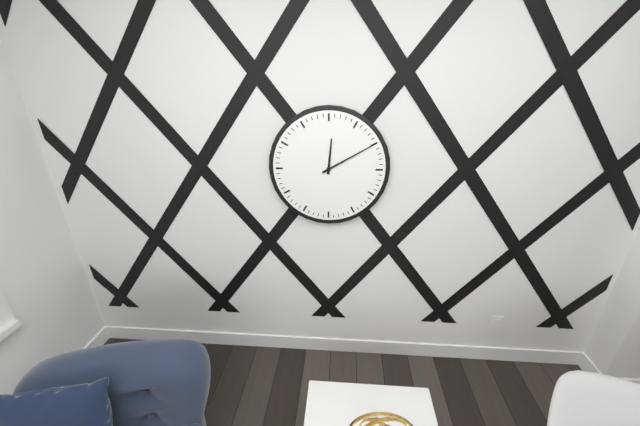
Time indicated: 12:10
